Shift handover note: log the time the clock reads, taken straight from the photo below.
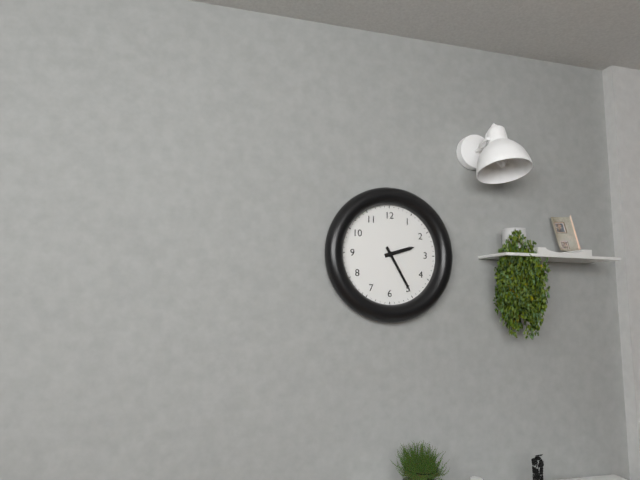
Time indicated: 2:25
